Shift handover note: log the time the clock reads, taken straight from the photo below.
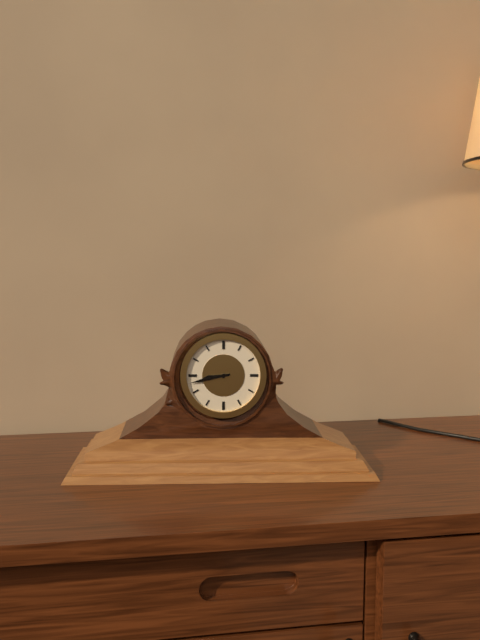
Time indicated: 8:43
